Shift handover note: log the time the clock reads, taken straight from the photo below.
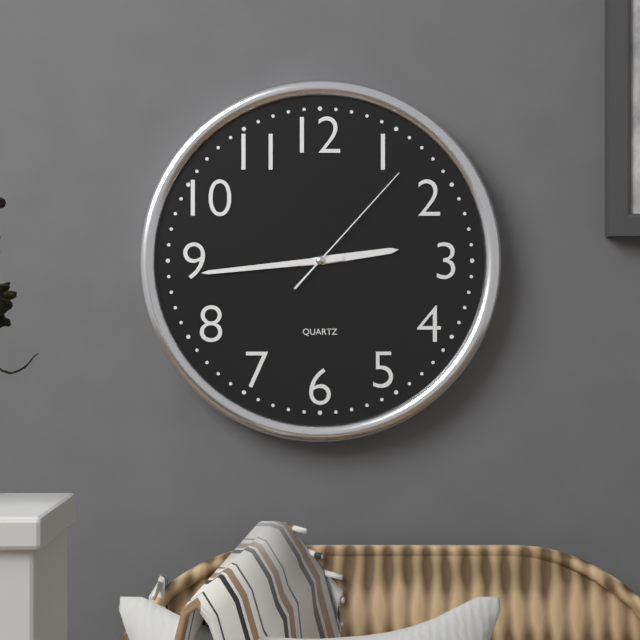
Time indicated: 2:44:07
